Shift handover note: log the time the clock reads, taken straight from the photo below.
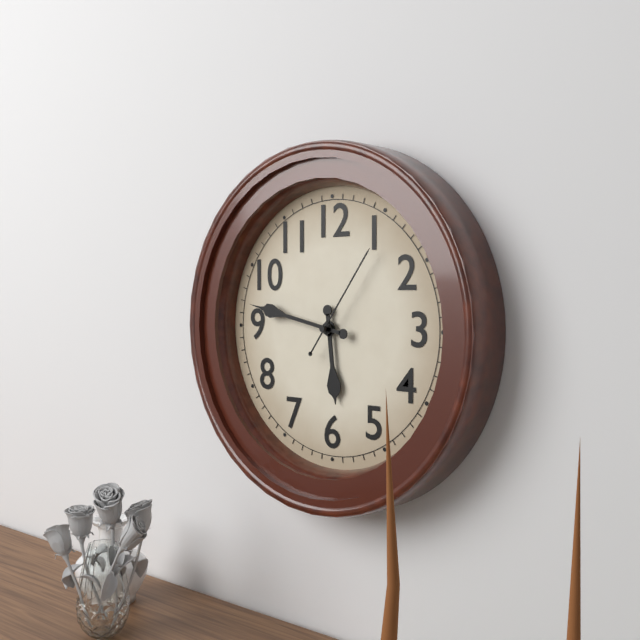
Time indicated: 5:47:06
